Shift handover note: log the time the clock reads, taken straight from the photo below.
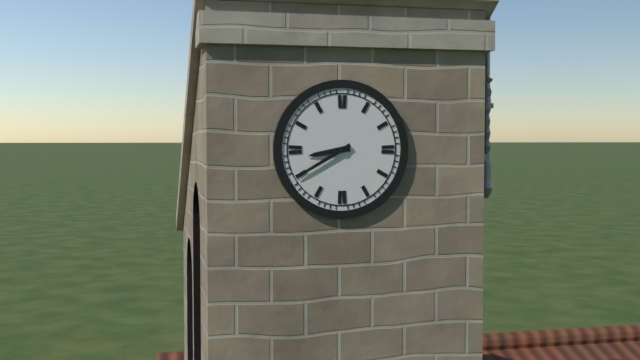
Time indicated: 8:40
